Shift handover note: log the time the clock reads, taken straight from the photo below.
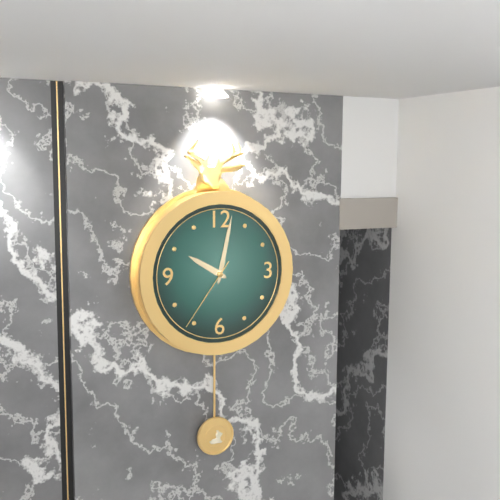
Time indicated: 10:02:36
